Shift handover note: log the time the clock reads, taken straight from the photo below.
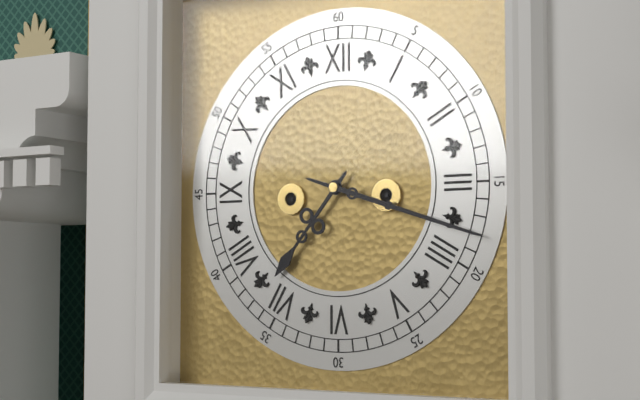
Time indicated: 7:18
